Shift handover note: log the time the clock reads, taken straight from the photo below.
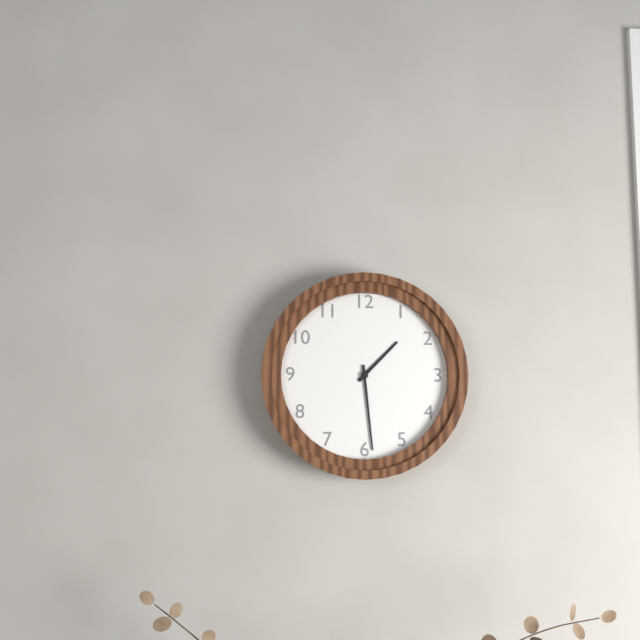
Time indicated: 1:29
